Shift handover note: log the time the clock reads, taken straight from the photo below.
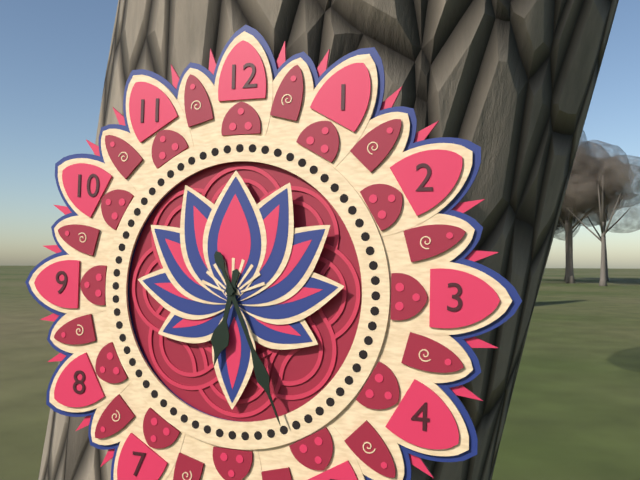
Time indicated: 6:26
